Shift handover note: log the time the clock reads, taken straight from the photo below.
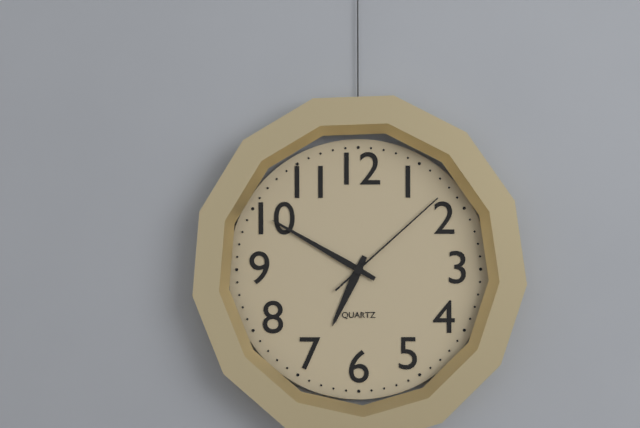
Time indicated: 6:50:08
